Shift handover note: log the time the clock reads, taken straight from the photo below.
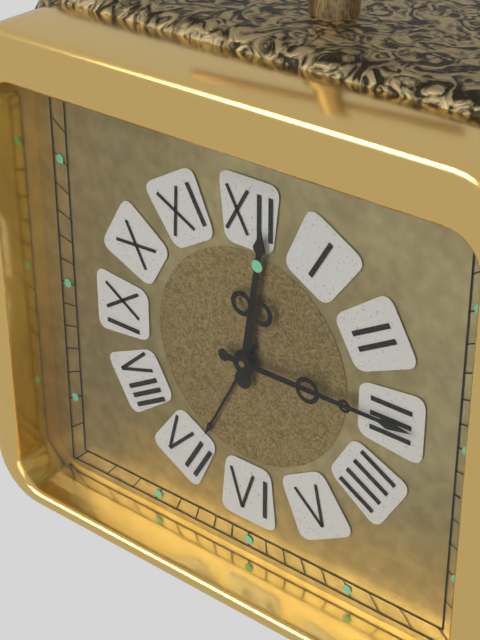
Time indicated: 12:15
